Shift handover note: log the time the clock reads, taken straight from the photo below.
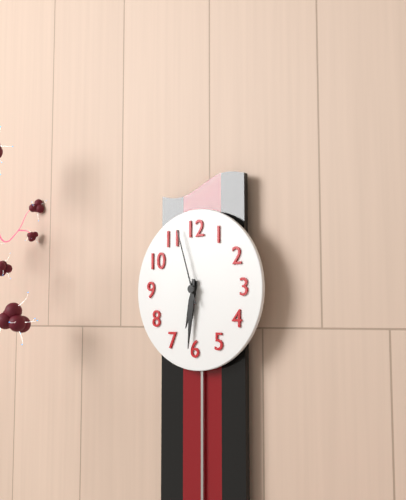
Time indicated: 6:31:57
